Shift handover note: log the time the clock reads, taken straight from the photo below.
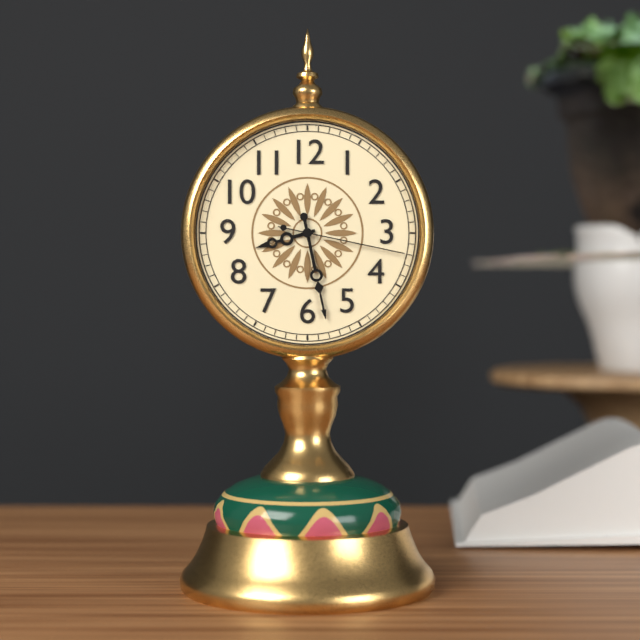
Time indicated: 8:28:17
